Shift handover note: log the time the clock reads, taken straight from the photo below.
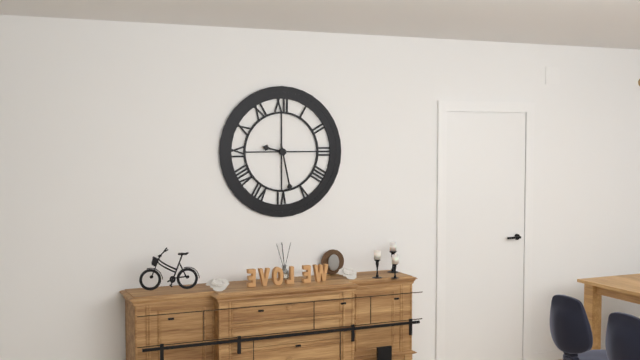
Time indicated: 9:28
